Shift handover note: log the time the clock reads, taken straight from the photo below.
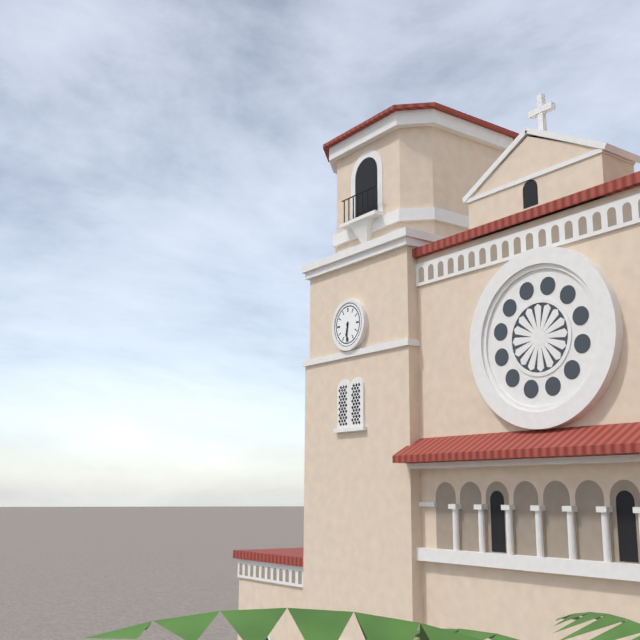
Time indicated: 6:31
